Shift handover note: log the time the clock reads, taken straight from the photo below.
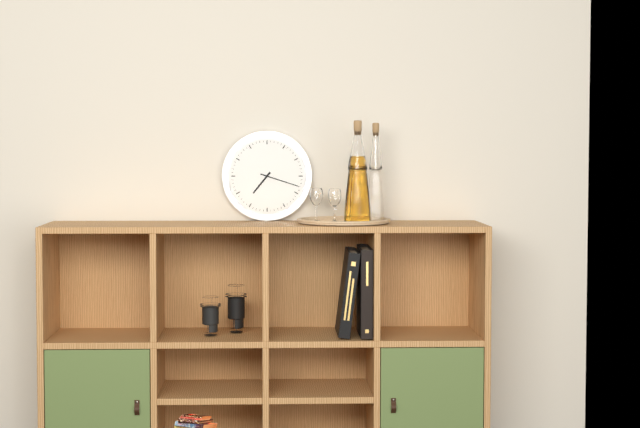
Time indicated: 7:18
